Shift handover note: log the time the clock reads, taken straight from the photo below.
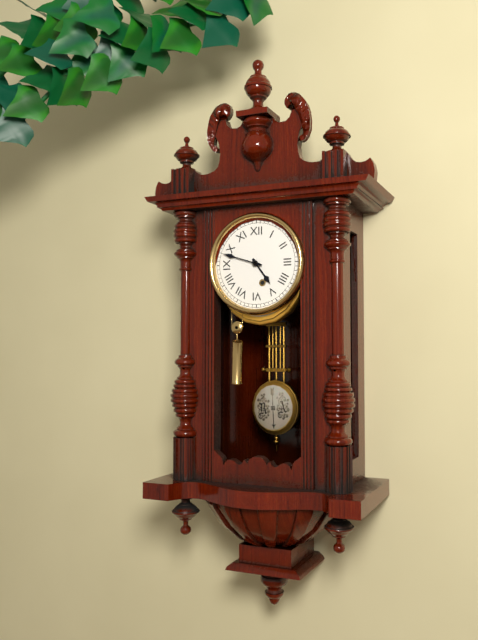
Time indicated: 4:48
